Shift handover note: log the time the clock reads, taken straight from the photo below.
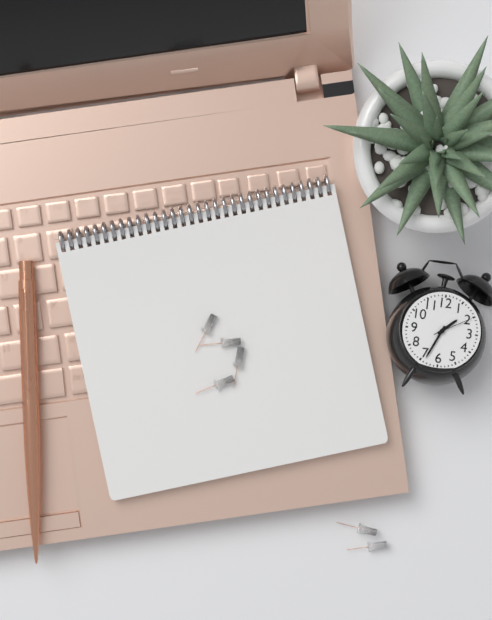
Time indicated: 1:34
